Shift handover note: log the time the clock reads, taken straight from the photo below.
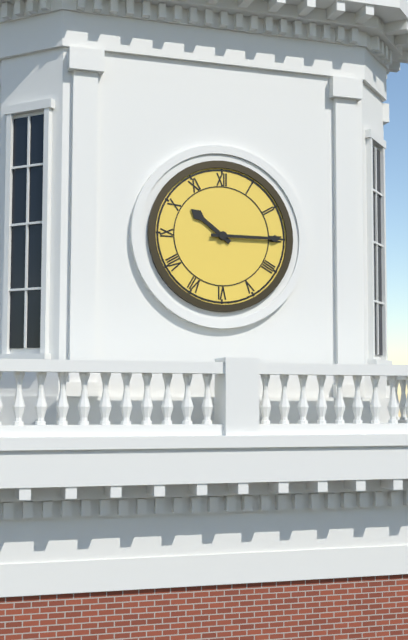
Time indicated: 10:15
